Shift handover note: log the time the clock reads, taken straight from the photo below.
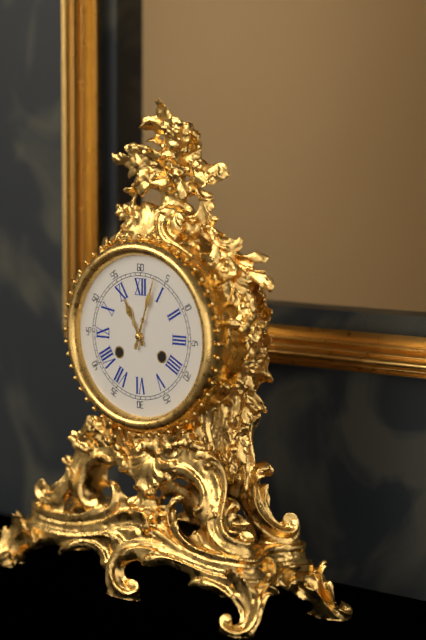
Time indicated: 11:03
